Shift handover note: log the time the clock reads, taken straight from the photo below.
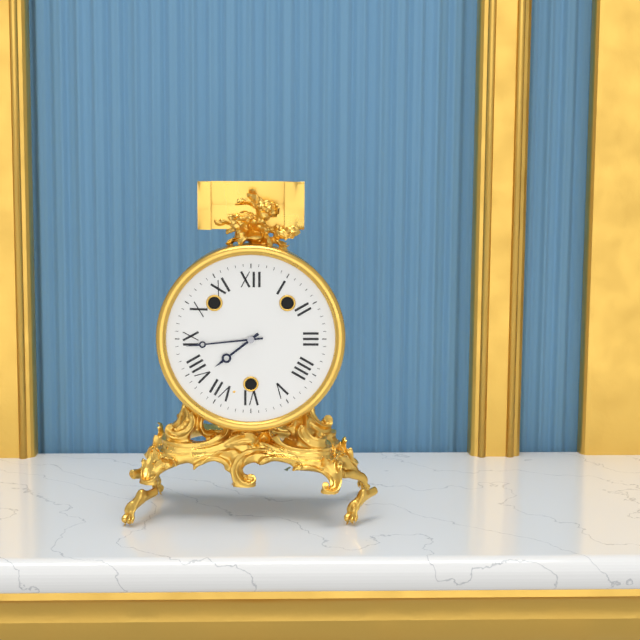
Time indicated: 7:44
